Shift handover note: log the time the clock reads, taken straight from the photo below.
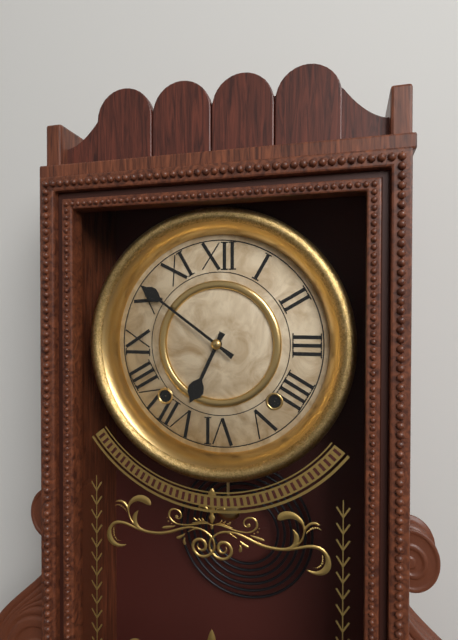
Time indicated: 6:51
